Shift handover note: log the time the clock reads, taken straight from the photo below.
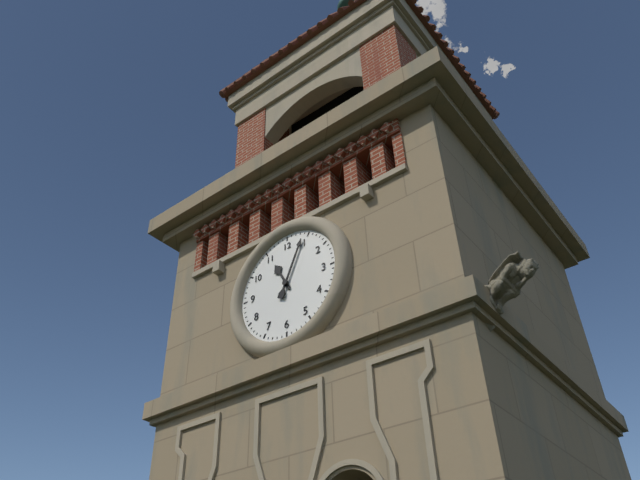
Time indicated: 11:04
